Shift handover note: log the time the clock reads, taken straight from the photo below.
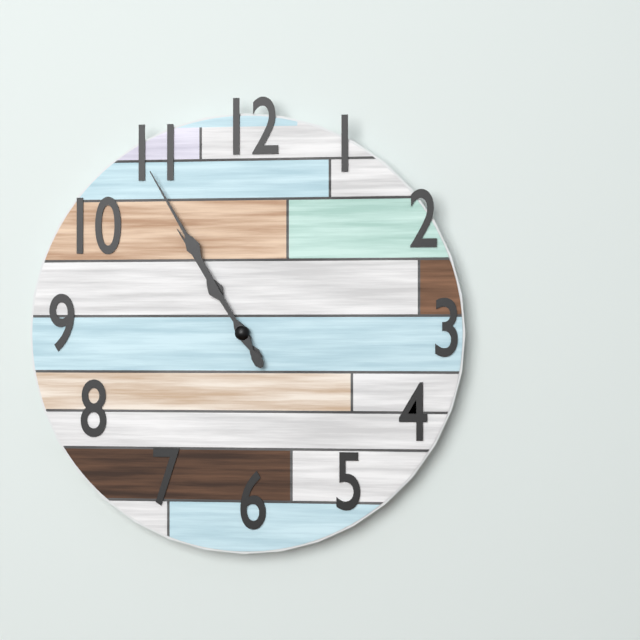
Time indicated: 10:55
